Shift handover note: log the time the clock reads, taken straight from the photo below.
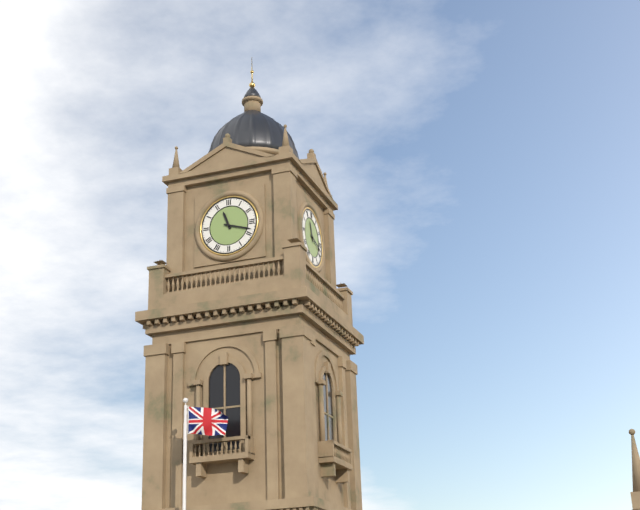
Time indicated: 11:18
